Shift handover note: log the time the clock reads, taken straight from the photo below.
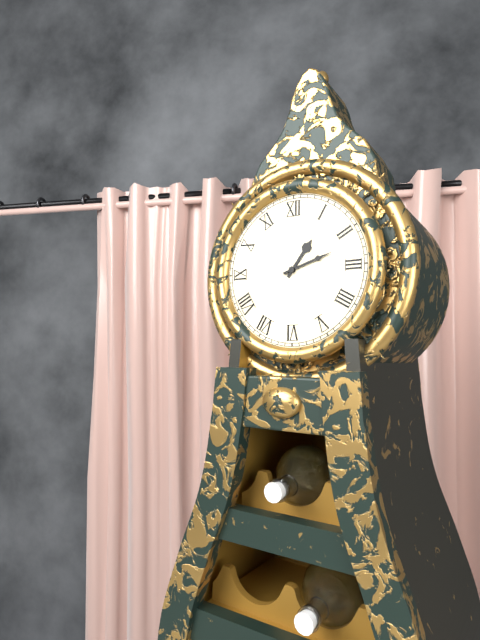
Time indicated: 1:12
